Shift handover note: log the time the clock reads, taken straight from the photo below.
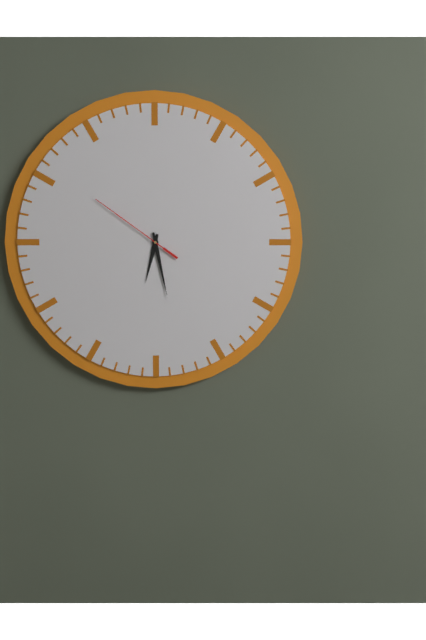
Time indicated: 6:28:51
